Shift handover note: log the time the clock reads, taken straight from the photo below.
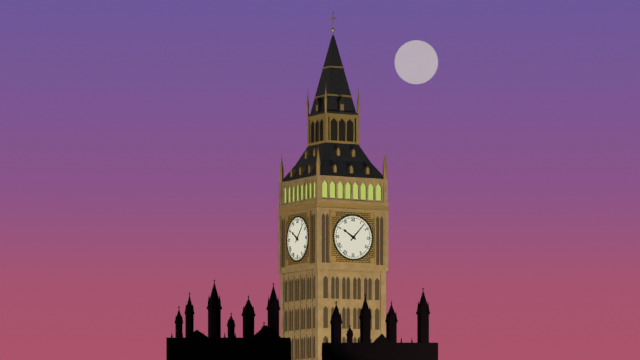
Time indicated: 10:07
